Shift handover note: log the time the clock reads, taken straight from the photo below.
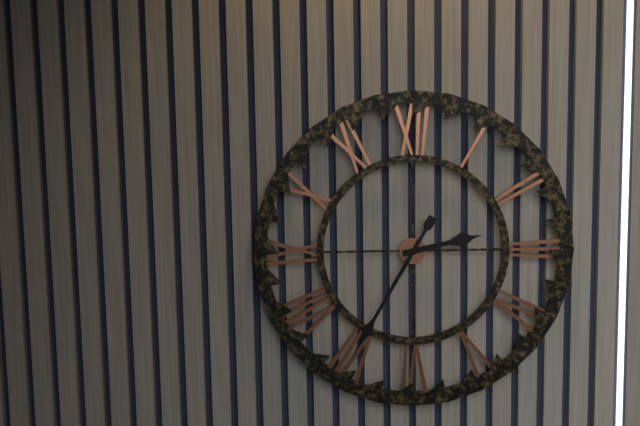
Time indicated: 2:35
